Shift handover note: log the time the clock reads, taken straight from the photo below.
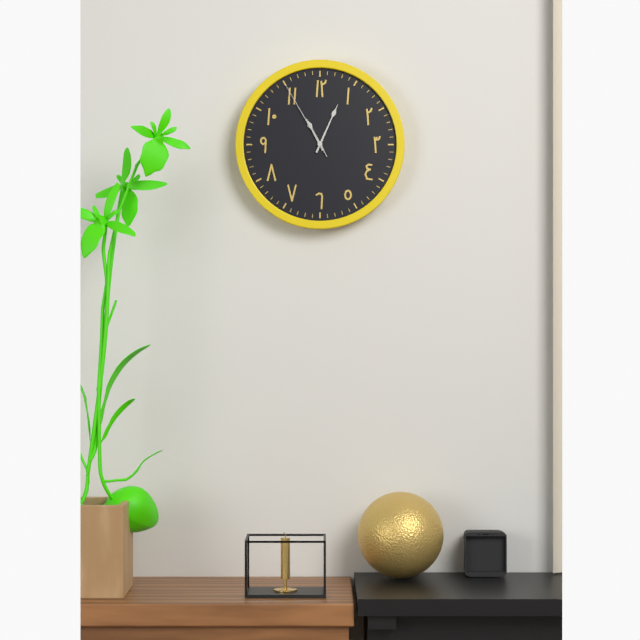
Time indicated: 11:04:55
